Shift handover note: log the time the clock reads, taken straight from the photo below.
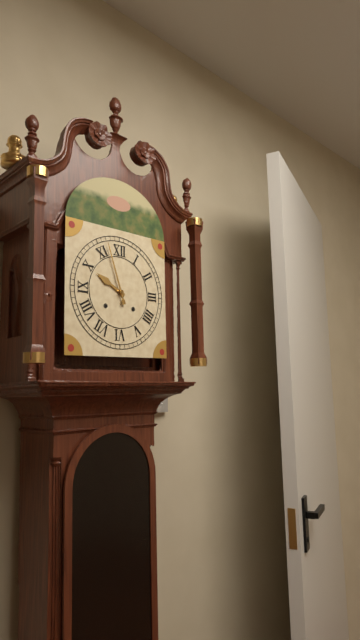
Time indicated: 9:57
